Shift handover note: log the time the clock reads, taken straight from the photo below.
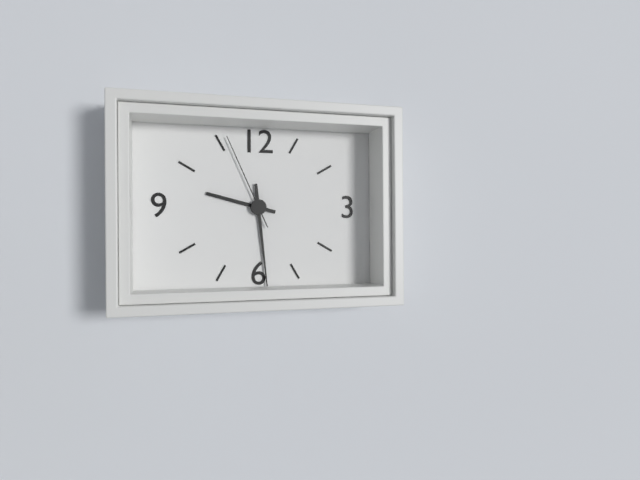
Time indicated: 9:29:56
